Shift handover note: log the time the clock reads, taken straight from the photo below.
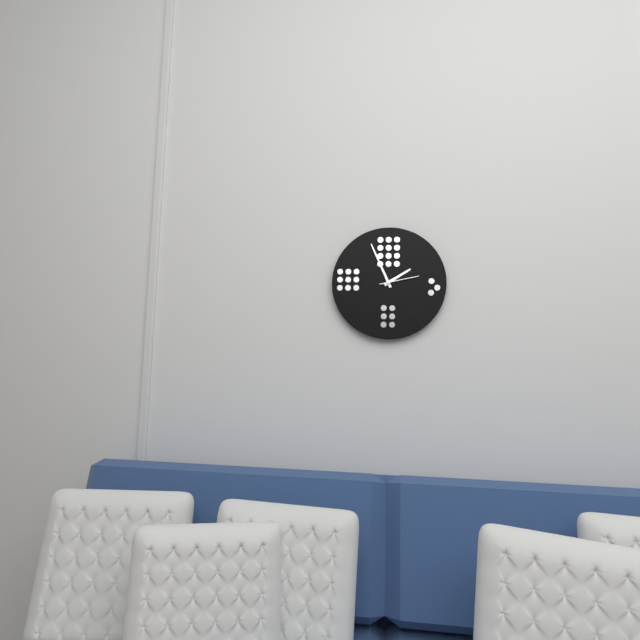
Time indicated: 1:56
